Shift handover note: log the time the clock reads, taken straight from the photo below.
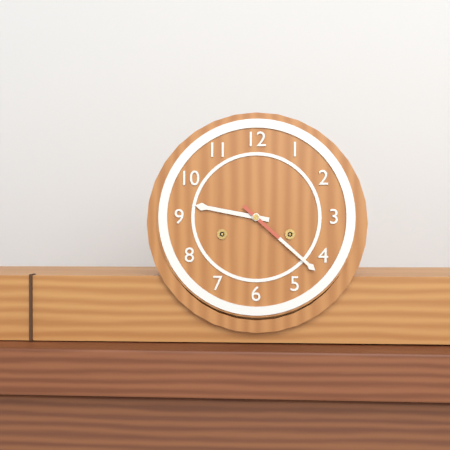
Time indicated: 9:22
